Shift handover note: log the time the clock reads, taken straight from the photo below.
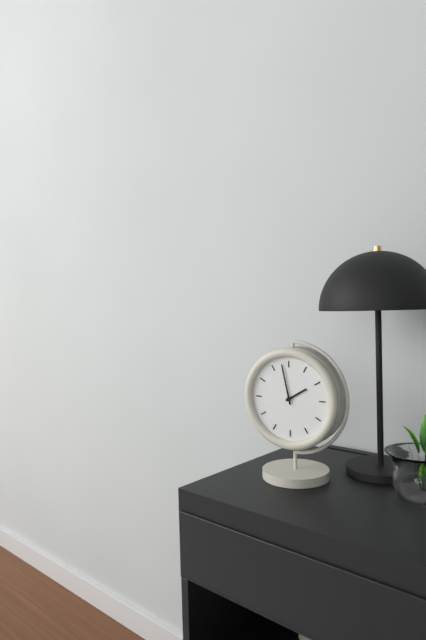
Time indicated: 1:58
